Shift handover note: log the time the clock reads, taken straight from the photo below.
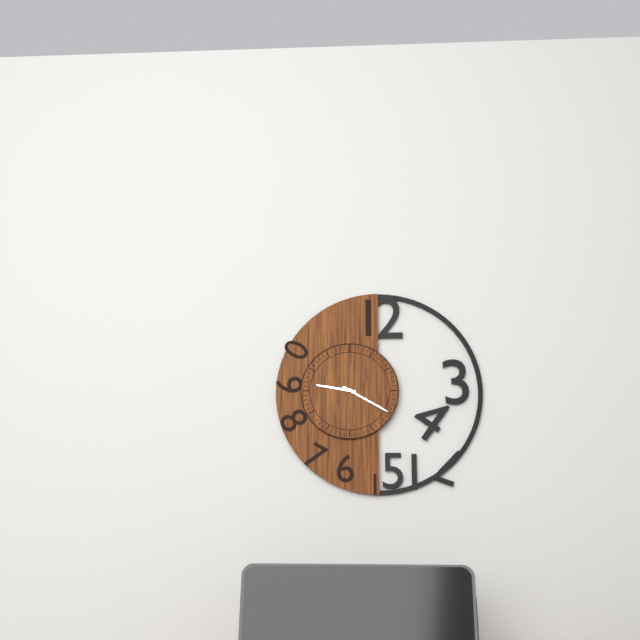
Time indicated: 9:20
